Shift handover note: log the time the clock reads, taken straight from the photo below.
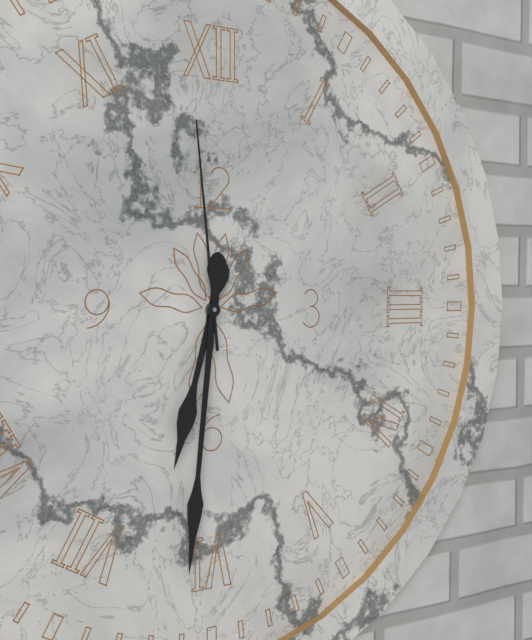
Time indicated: 6:31:59
